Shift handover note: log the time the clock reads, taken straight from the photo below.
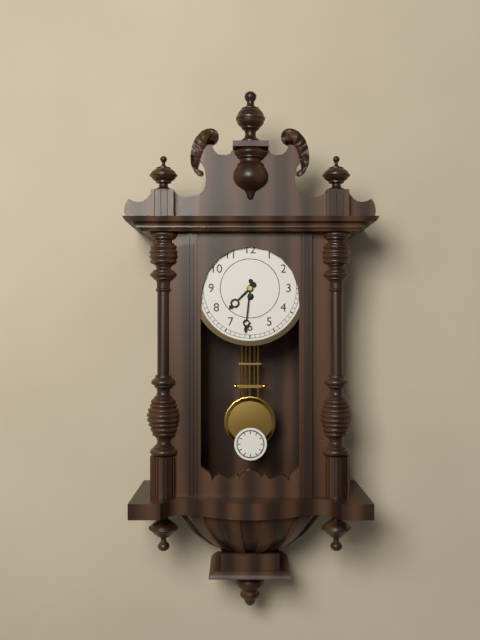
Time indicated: 7:31
